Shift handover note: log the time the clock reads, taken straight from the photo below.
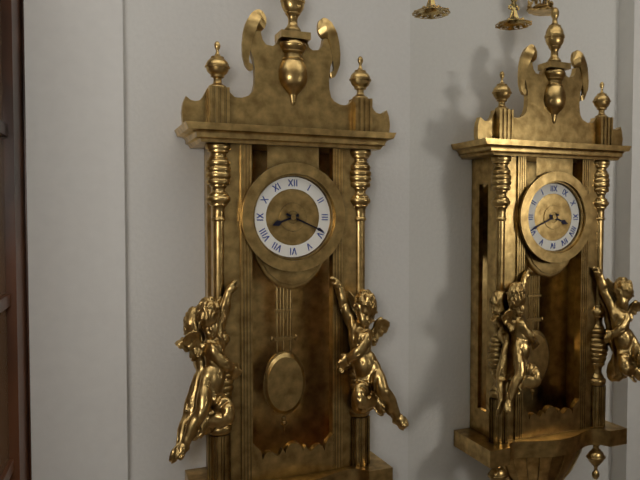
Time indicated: 8:19
